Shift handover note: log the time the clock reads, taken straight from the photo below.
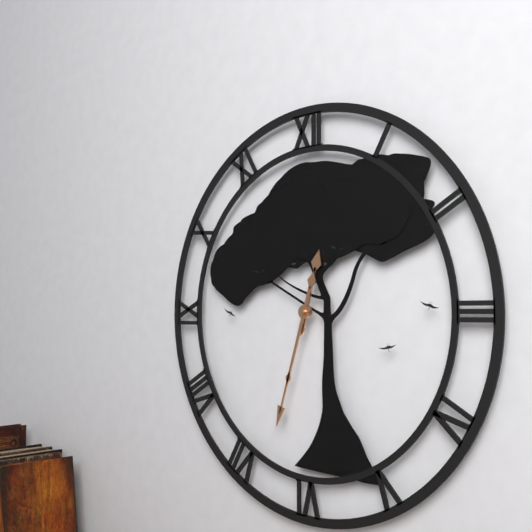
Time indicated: 12:33
